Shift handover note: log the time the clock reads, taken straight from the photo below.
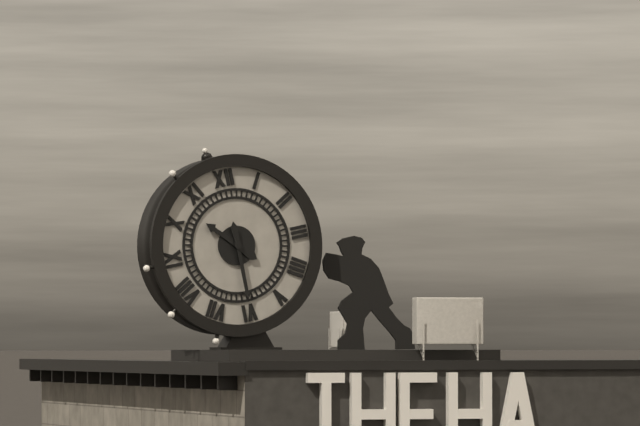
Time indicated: 10:30
